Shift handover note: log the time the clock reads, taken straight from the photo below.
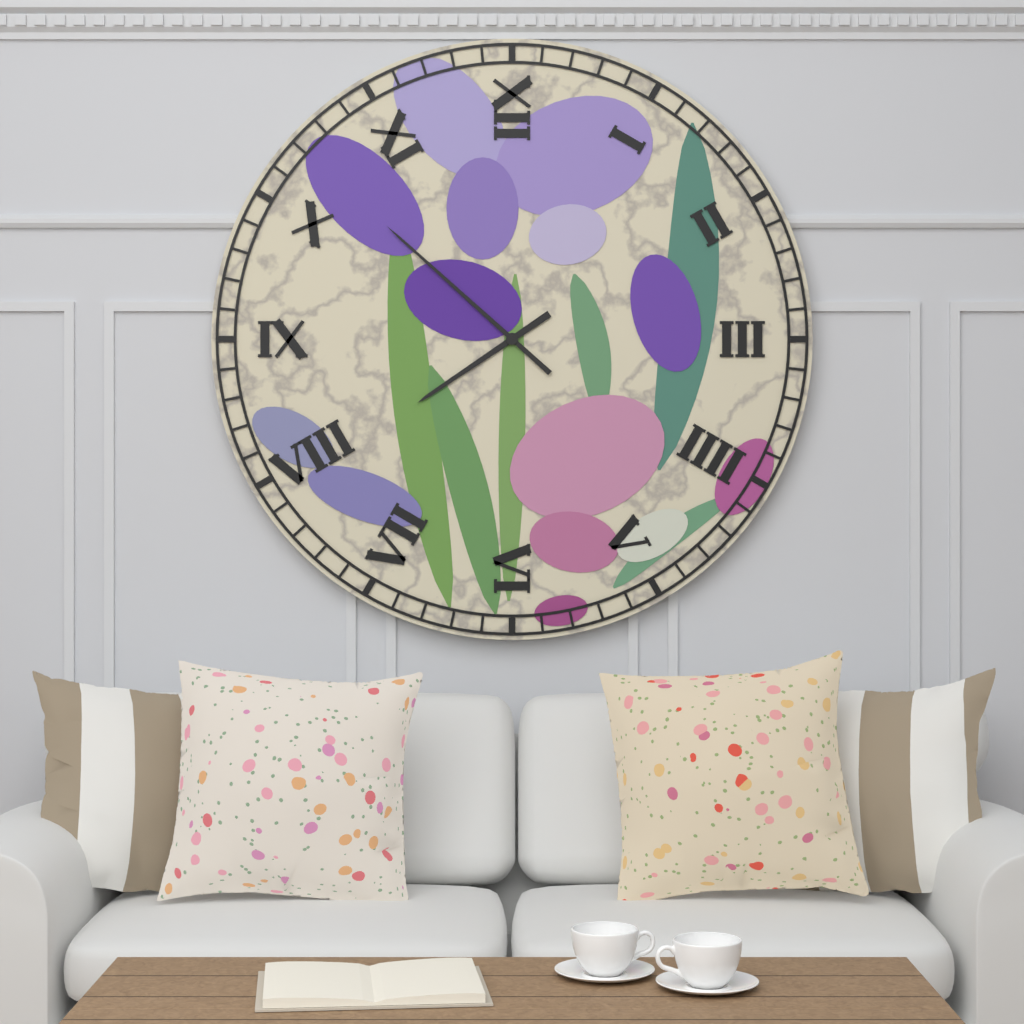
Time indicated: 7:52
